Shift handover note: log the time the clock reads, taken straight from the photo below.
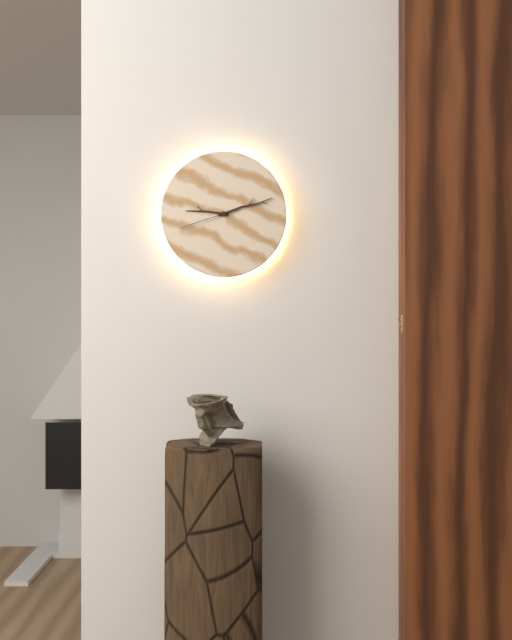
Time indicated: 9:12:42
